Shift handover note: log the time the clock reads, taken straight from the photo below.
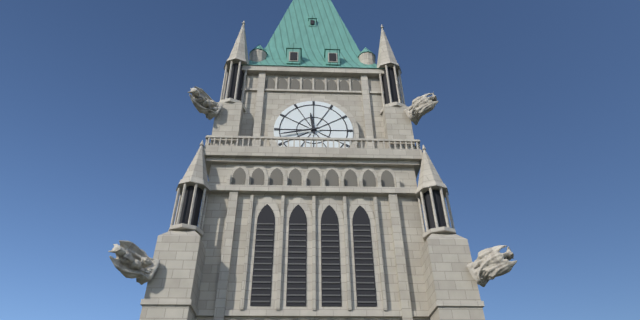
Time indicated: 11:43
